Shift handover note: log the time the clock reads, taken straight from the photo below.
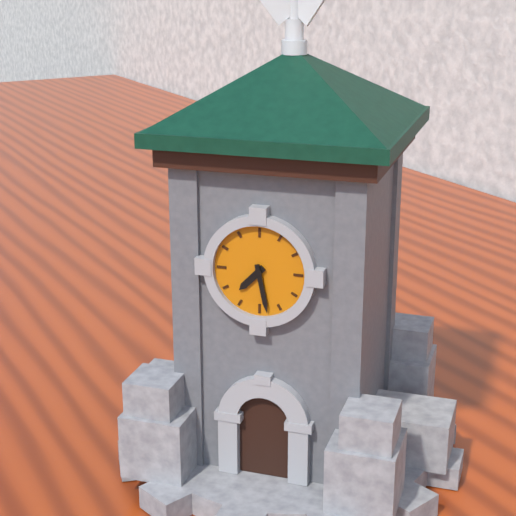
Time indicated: 7:28
